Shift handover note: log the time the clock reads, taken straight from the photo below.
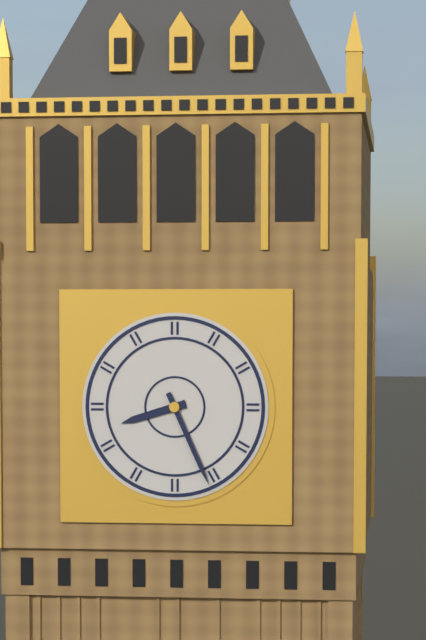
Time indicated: 8:26
